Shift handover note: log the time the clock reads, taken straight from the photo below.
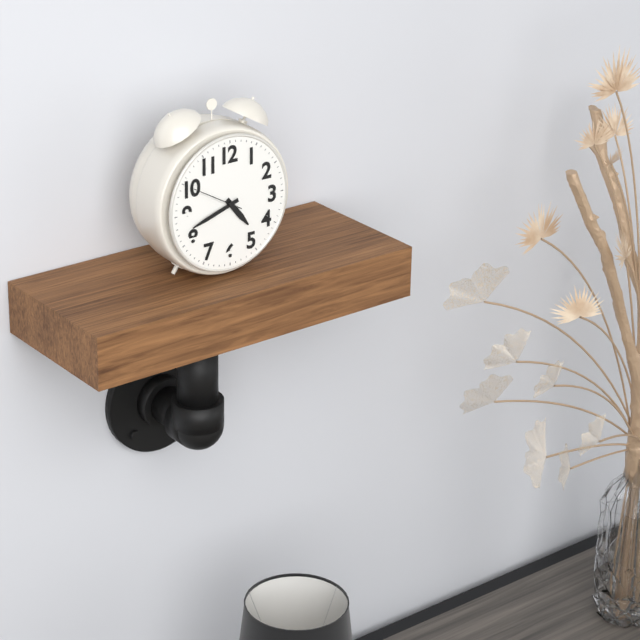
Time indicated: 4:42:50
